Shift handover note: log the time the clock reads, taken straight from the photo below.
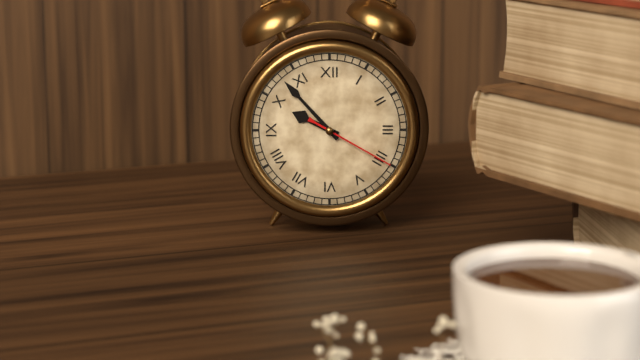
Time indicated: 9:53:20
